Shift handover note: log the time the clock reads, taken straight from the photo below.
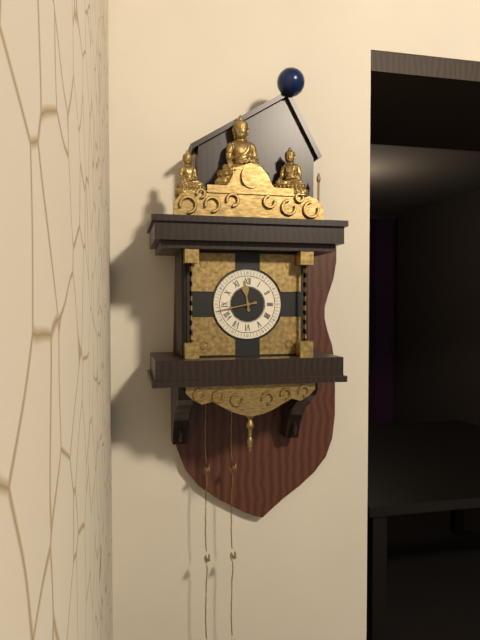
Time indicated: 11:43
